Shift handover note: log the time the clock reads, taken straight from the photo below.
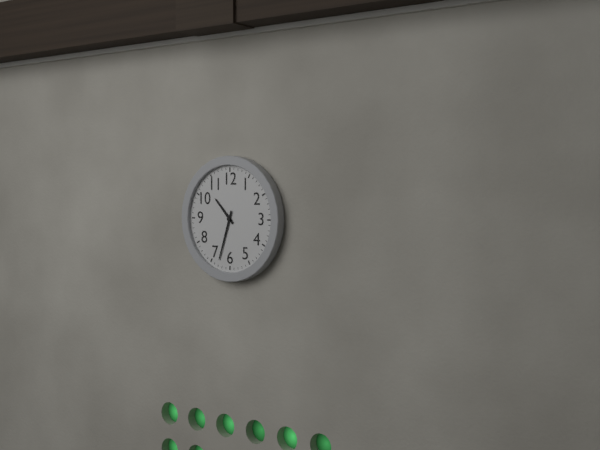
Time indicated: 10:33
